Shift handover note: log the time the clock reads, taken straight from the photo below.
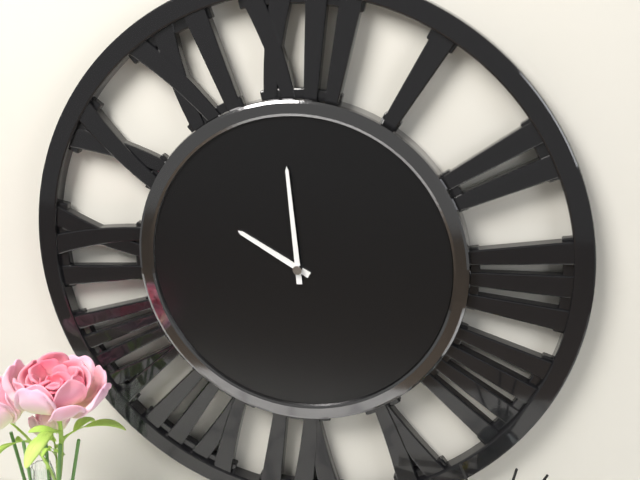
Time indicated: 9:59
